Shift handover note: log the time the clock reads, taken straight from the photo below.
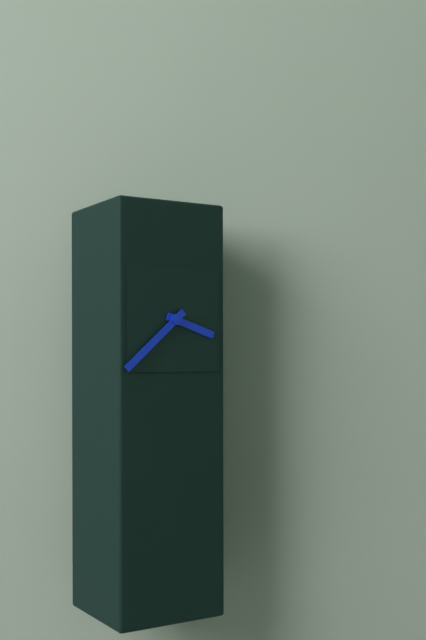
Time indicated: 3:38
